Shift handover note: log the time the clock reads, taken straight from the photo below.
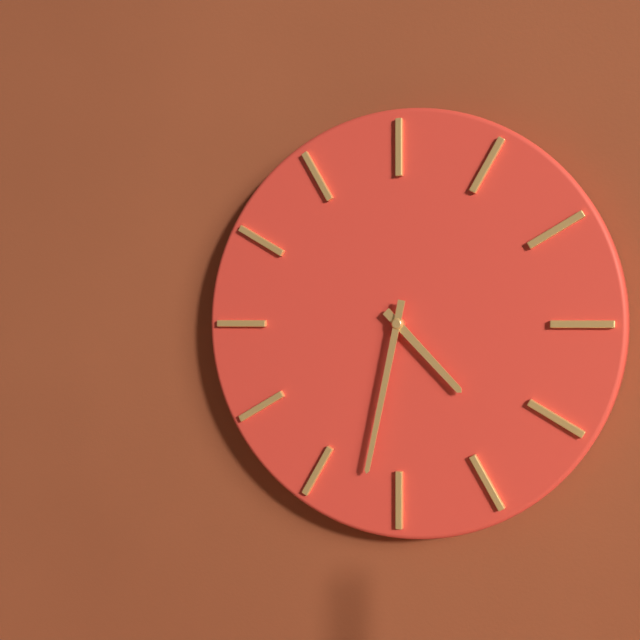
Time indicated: 4:32
